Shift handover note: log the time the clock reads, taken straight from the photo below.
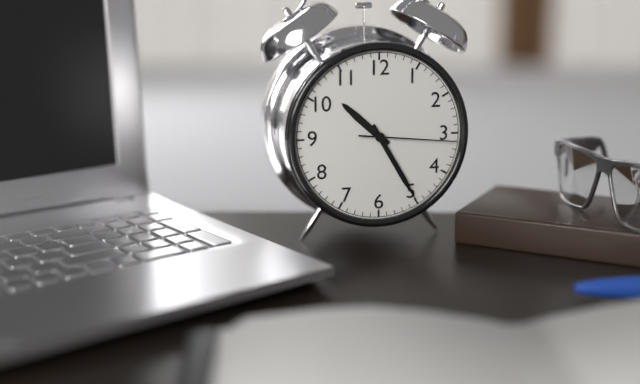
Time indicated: 10:25:16
